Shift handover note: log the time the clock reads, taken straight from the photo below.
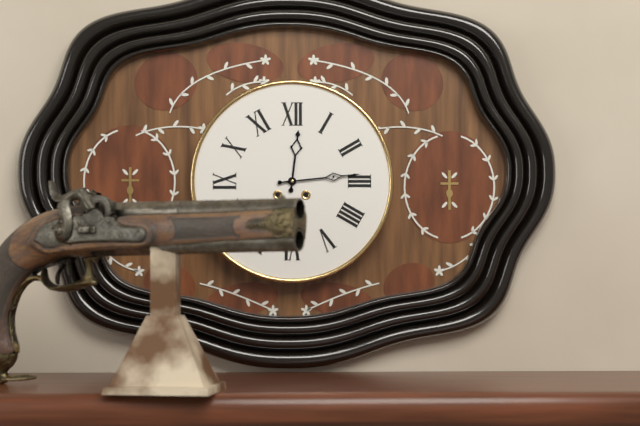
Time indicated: 12:14
